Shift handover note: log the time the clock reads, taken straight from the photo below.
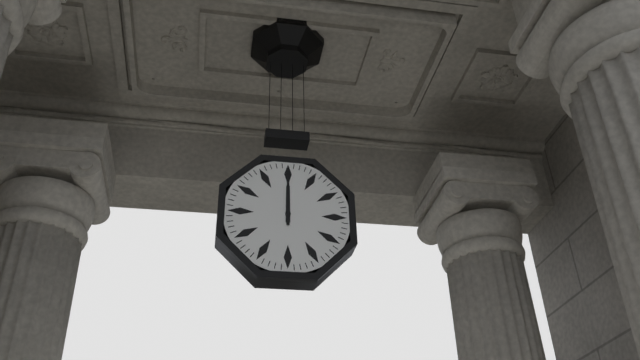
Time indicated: 12:00
